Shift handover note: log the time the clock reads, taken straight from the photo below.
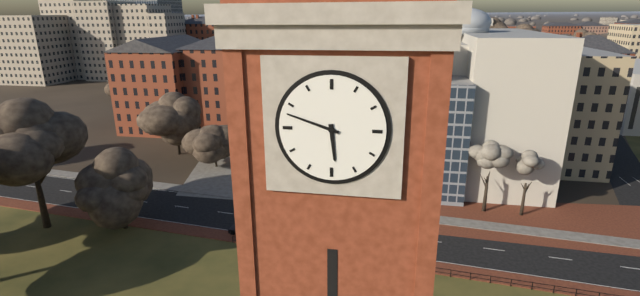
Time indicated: 5:48
